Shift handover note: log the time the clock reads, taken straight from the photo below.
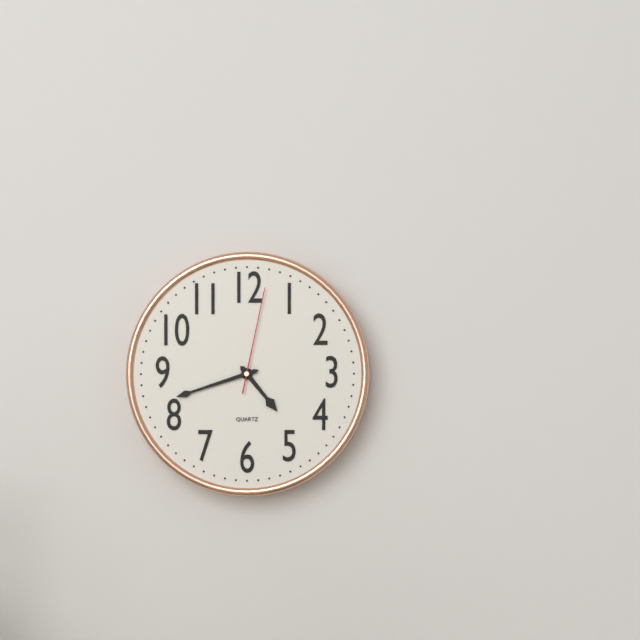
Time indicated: 4:42:02
